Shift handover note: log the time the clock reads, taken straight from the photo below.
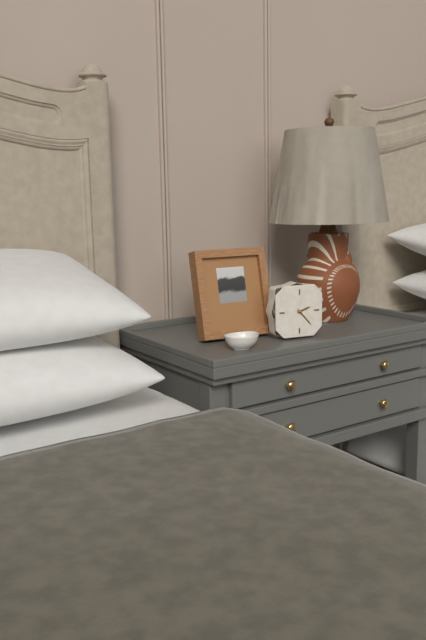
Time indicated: 2:23
